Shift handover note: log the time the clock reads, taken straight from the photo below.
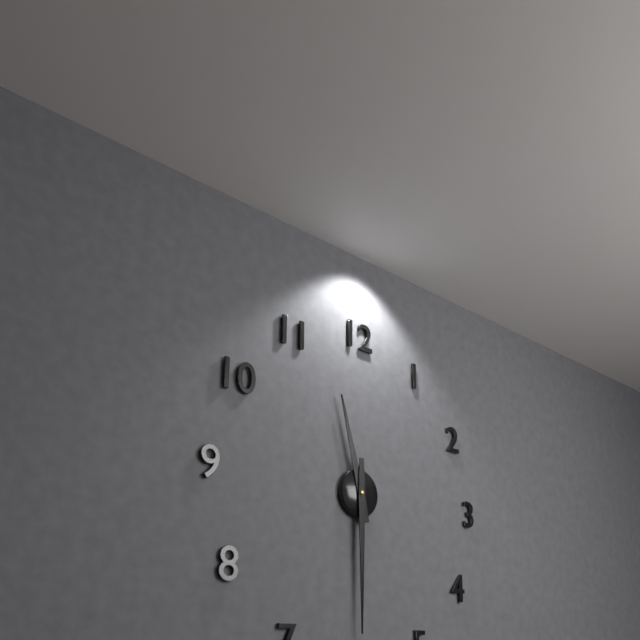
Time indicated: 11:30
